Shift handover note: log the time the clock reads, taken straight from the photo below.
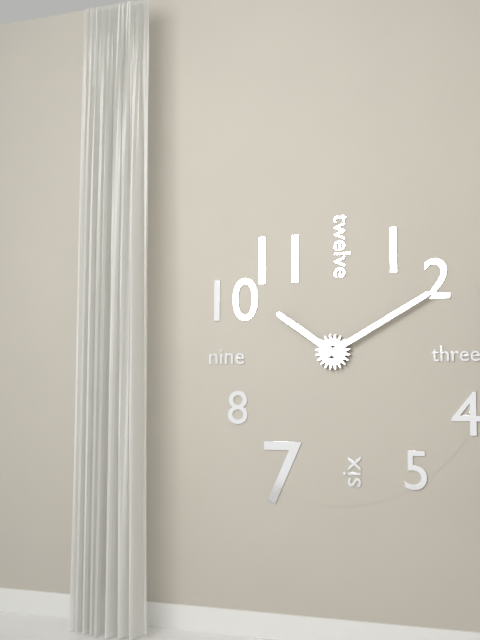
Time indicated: 10:10
